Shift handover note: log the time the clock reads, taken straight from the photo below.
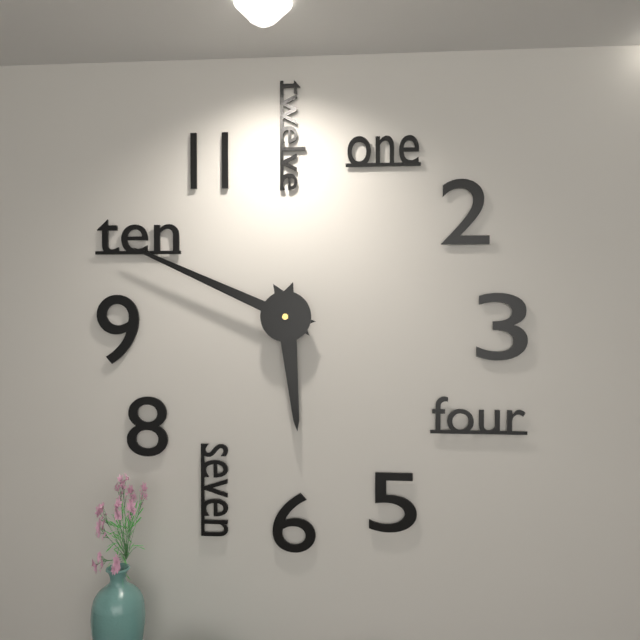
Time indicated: 5:49
